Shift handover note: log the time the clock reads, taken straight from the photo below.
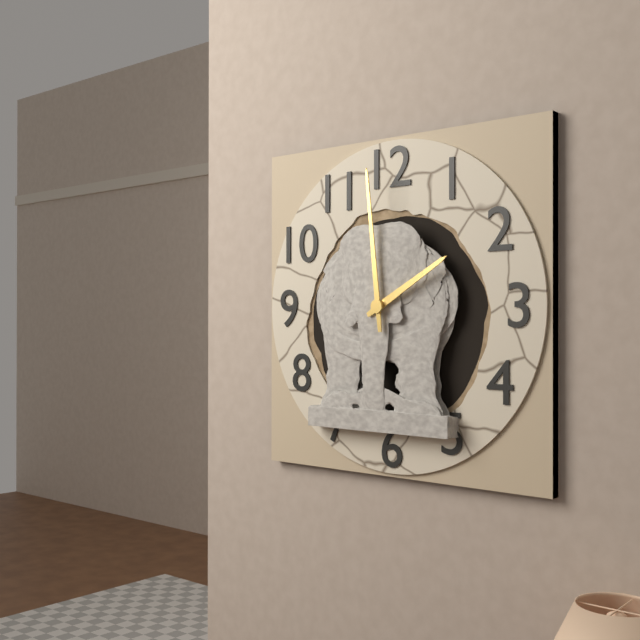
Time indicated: 1:59
